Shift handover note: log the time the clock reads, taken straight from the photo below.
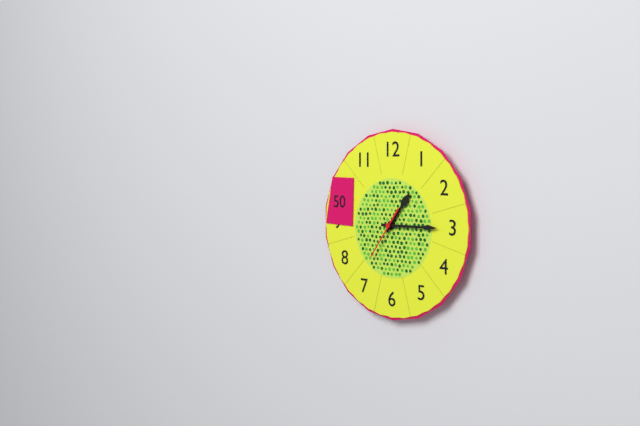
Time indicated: 1:15
